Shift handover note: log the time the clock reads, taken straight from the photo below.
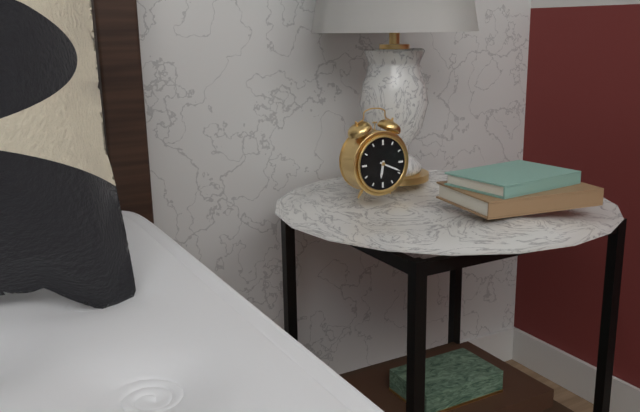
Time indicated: 6:19
